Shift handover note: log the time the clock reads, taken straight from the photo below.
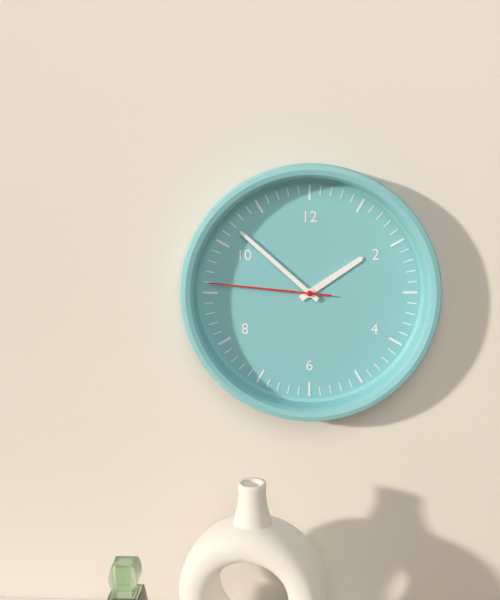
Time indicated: 1:52:46
